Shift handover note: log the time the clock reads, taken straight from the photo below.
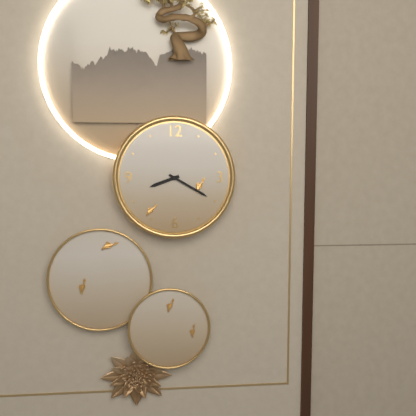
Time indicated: 8:20
